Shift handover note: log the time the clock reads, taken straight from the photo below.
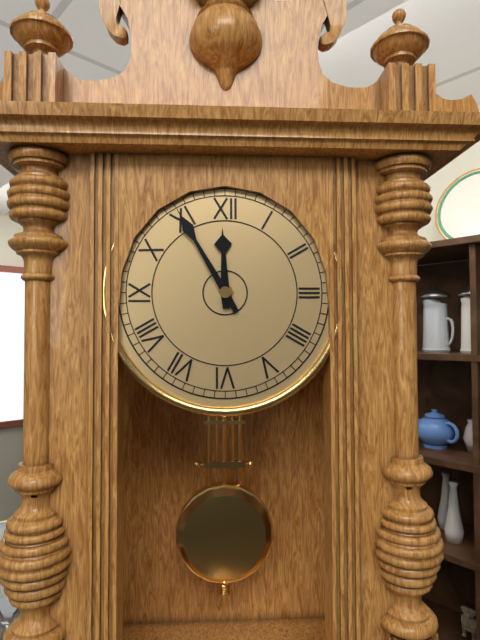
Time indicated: 11:55
